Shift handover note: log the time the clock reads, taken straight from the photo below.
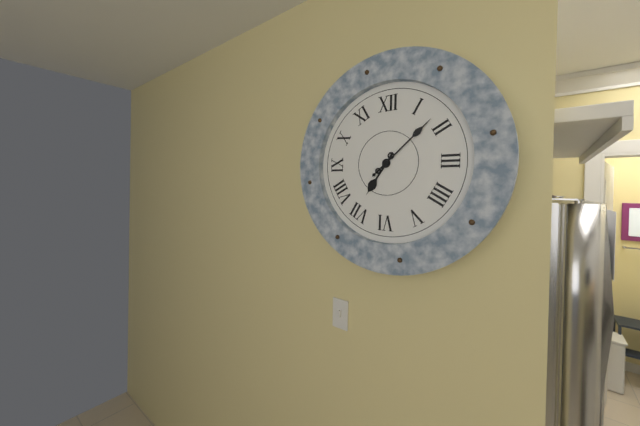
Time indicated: 7:08
